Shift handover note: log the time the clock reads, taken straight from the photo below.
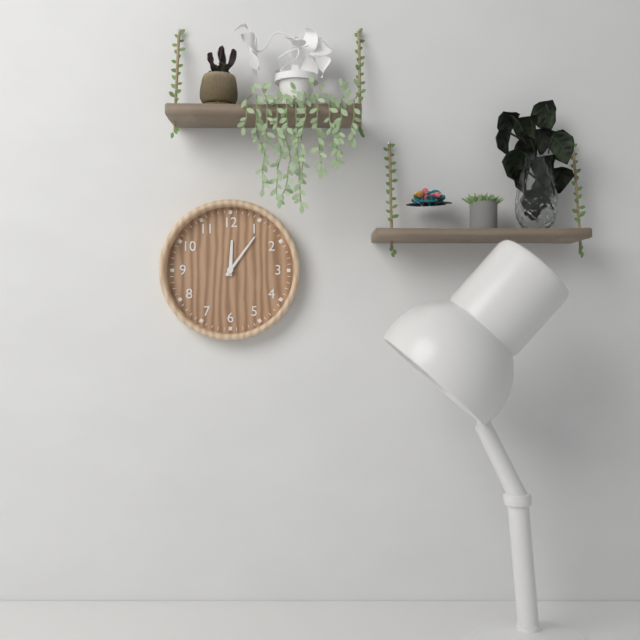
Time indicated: 12:06
